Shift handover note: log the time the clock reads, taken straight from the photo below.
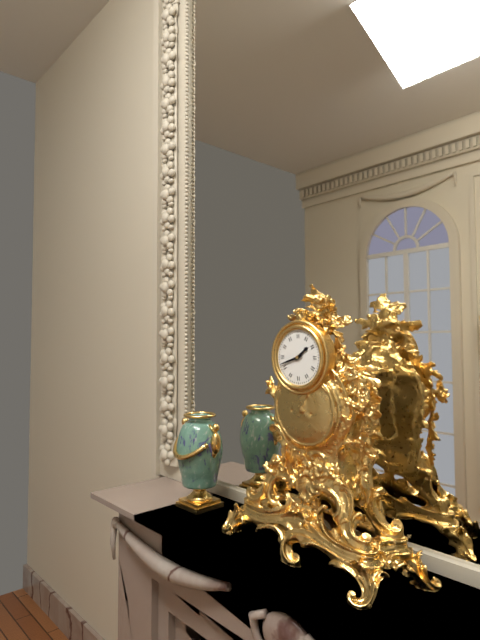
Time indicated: 1:42
